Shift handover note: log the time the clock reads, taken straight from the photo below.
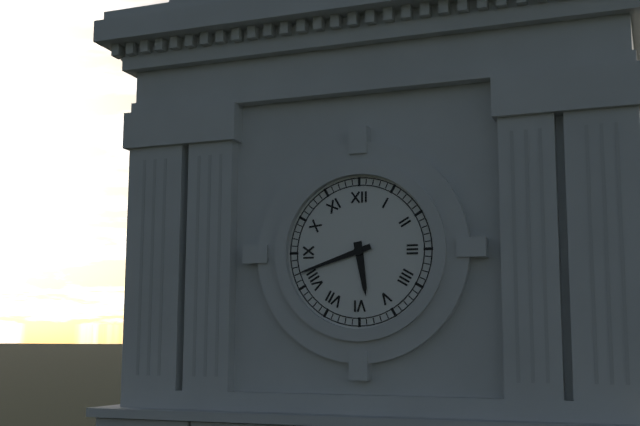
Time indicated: 5:42
